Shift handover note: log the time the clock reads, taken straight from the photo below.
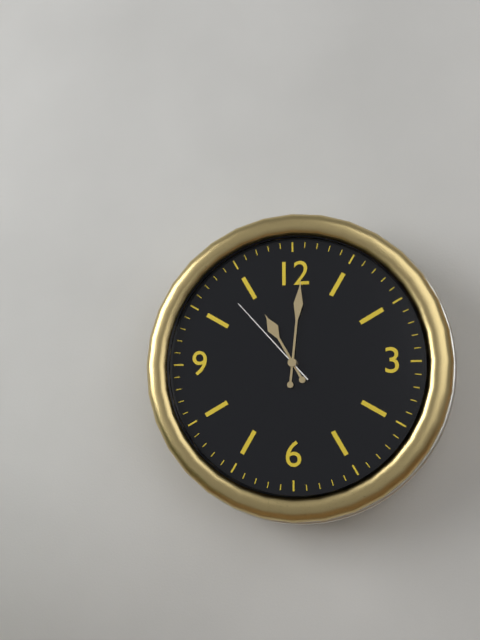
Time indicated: 11:01:53
